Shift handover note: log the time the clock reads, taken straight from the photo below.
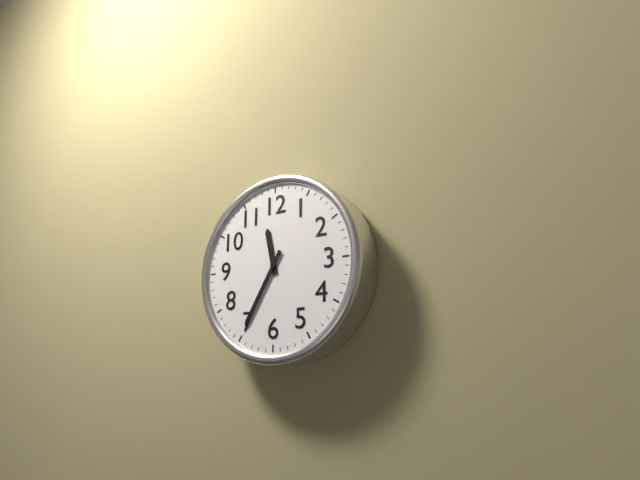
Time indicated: 11:35
